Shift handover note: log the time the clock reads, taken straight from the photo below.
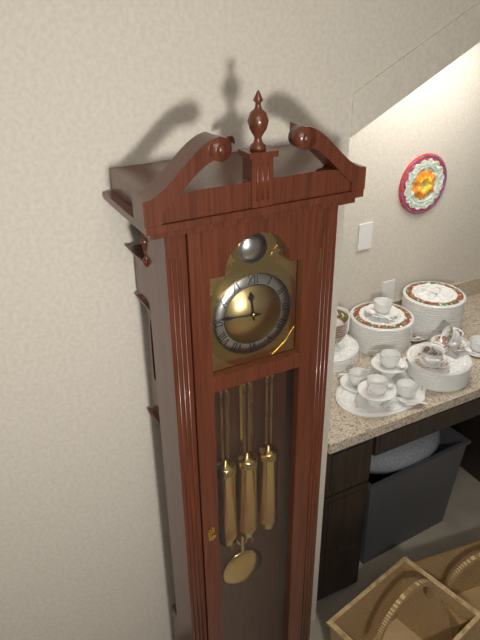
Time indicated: 11:46
